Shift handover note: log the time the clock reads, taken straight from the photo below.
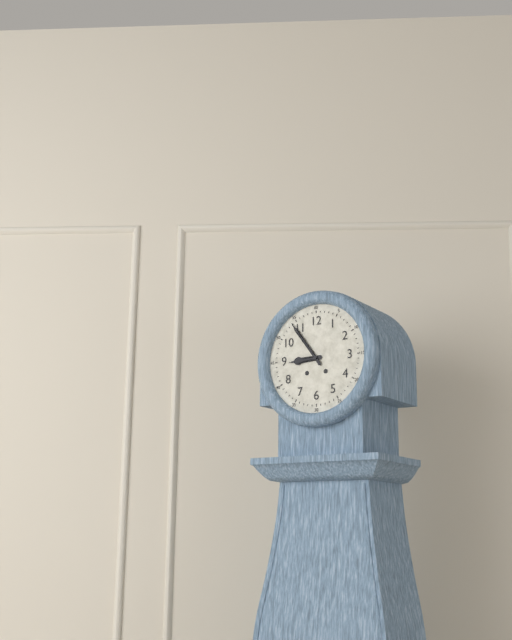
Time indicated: 8:54
